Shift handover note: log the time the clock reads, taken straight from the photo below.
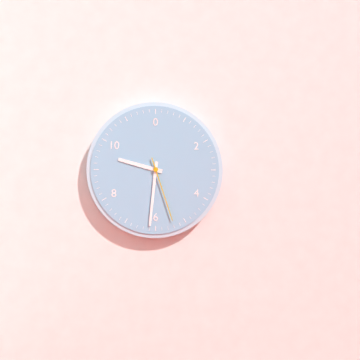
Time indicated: 9:31:27
